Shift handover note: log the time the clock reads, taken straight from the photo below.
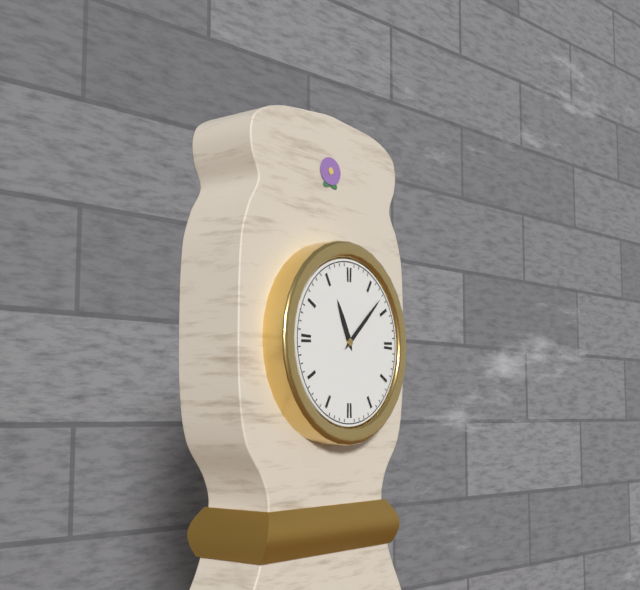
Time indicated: 11:08
